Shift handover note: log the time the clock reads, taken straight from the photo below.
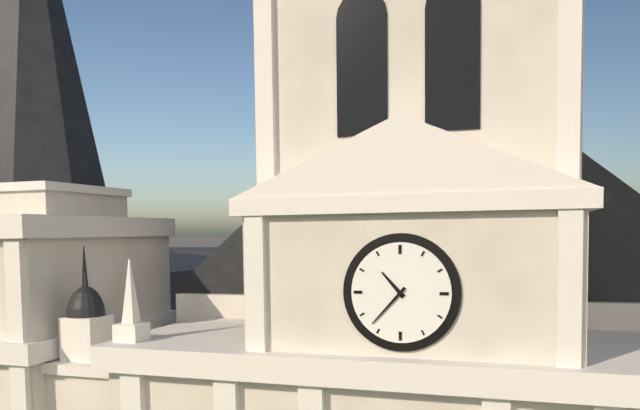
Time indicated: 10:37
